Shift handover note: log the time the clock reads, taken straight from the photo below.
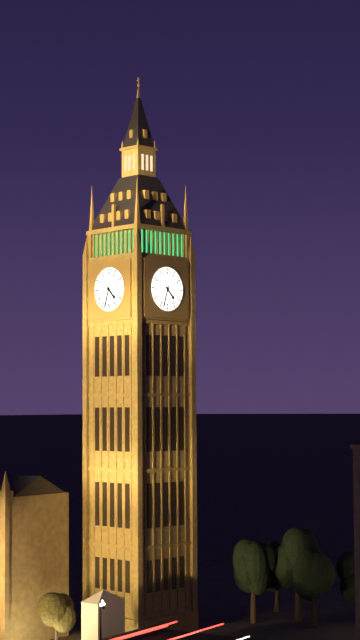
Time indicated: 4:33
